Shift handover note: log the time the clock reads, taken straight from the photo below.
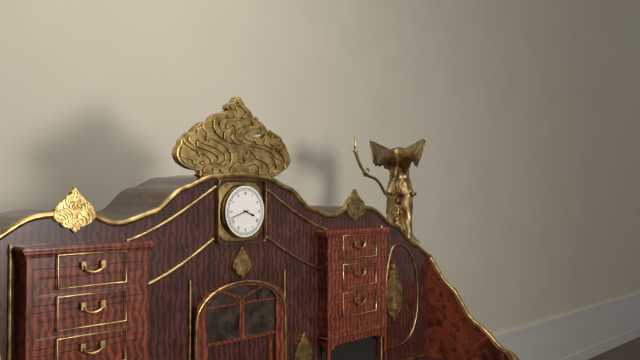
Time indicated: 3:42
